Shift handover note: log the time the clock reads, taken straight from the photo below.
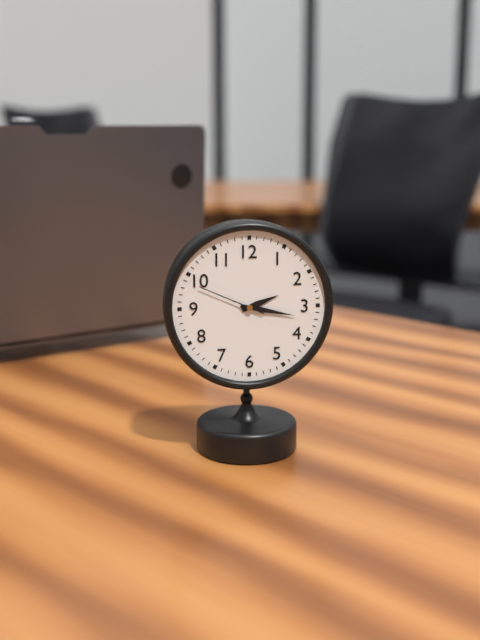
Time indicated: 2:17:49
